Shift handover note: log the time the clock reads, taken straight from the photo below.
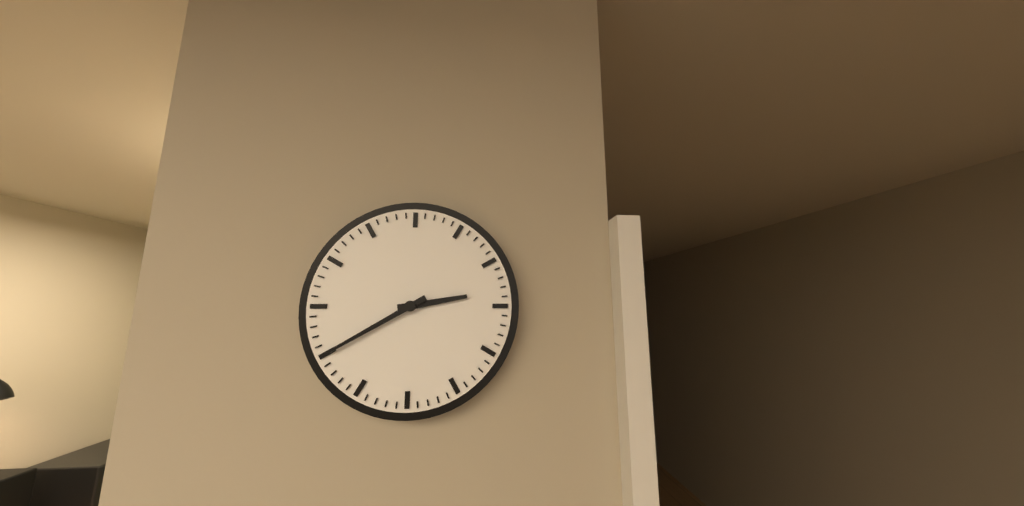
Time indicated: 2:40
